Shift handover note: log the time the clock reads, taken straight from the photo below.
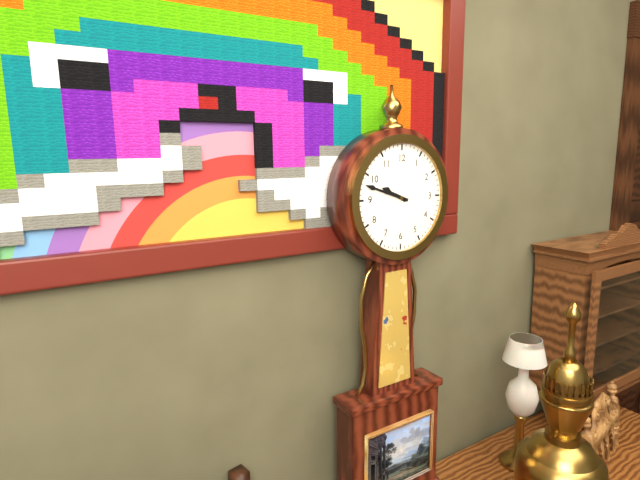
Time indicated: 9:48
